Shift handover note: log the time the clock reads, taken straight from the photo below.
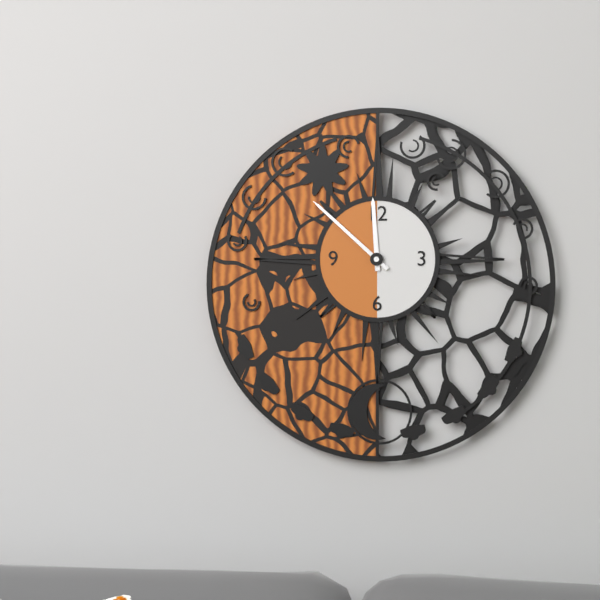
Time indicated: 11:52
